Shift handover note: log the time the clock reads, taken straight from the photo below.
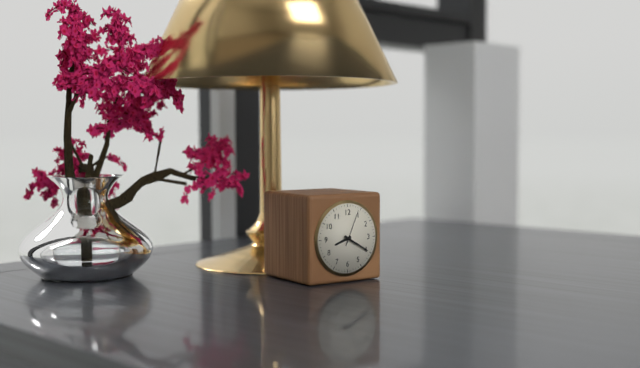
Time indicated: 8:20
